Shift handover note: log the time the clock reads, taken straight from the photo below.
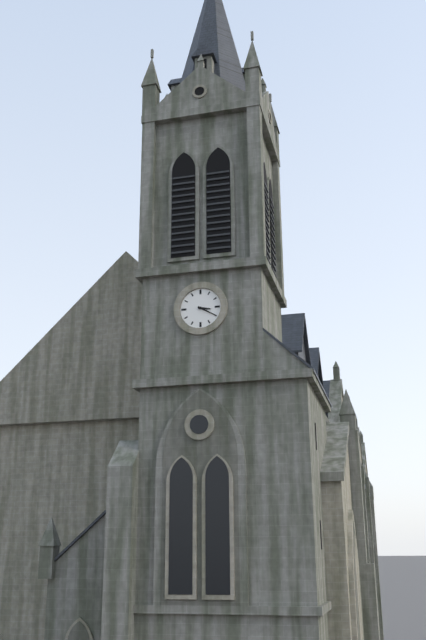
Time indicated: 3:20
